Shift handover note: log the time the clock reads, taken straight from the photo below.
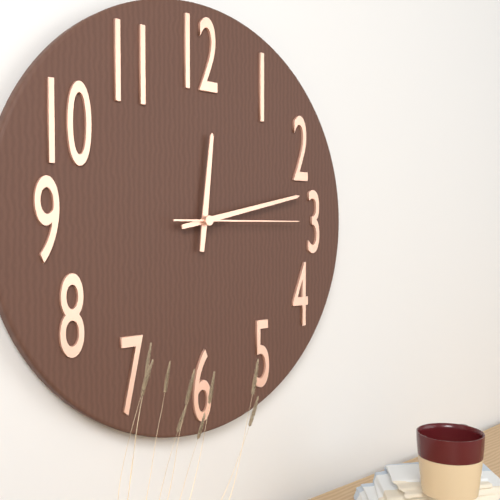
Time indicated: 12:13:15
